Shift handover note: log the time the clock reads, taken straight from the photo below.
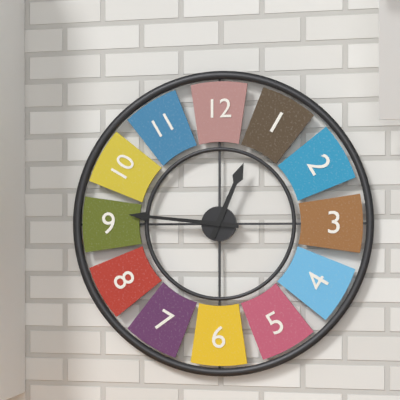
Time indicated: 12:46
